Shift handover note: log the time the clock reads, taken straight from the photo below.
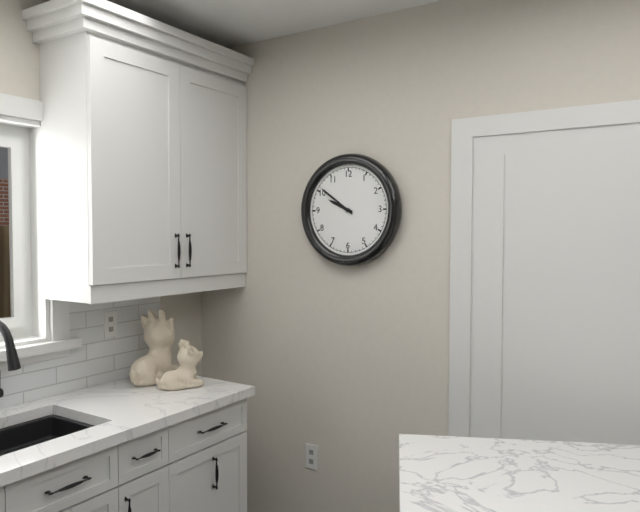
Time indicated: 9:51
